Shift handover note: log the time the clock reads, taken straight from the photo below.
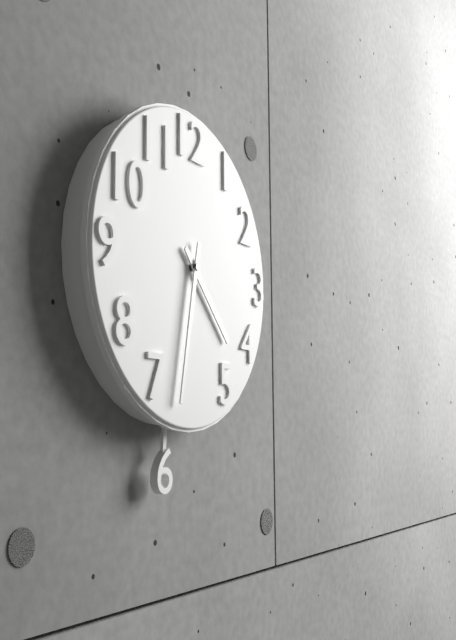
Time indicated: 4:32
